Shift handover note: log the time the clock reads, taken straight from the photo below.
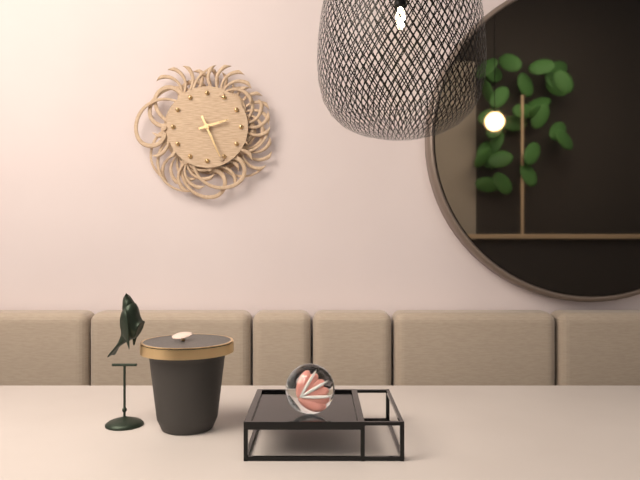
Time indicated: 2:26
